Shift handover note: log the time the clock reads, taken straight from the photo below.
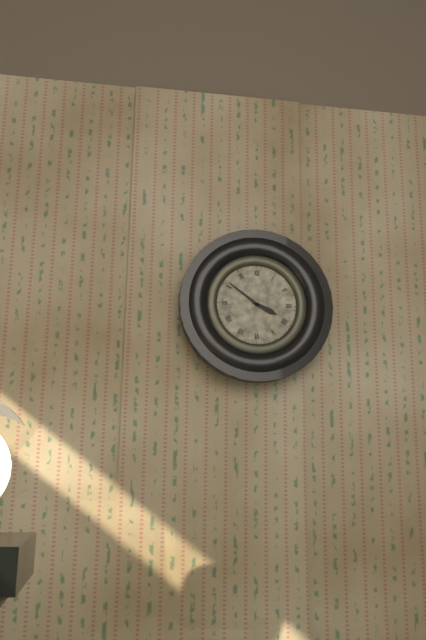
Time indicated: 3:51
